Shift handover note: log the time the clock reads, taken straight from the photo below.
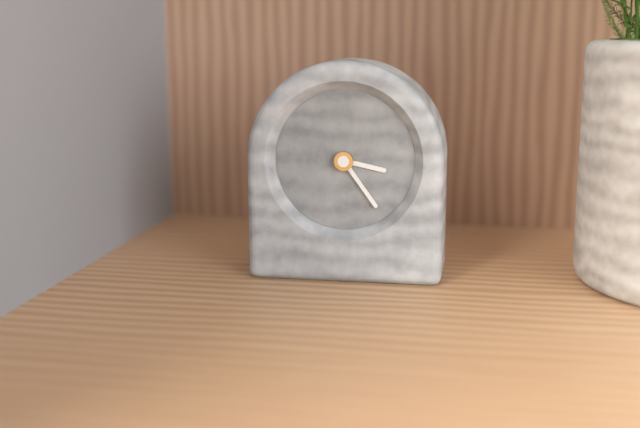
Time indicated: 3:24
